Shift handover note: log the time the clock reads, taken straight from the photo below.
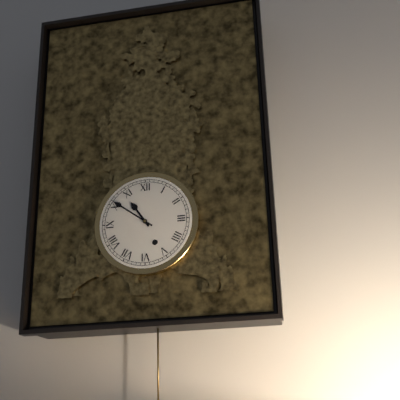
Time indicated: 10:51
